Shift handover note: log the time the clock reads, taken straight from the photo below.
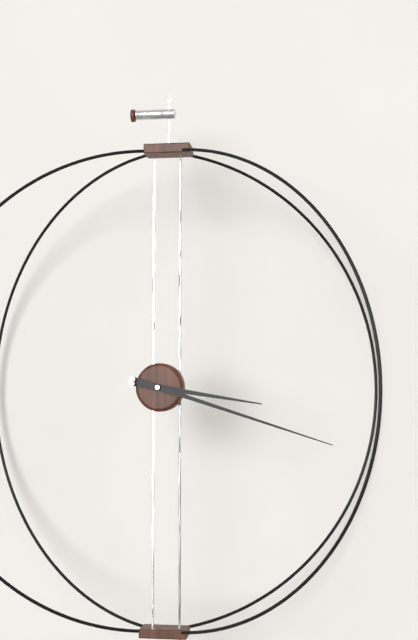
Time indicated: 3:18
